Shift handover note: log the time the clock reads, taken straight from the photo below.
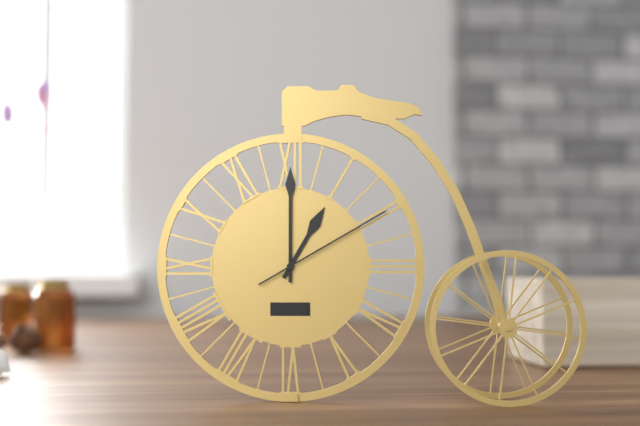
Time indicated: 1:00:10
